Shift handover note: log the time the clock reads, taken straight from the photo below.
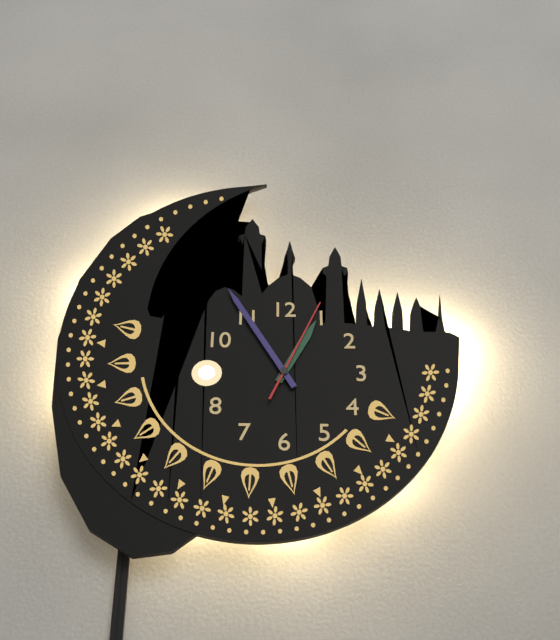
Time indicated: 12:55:04
